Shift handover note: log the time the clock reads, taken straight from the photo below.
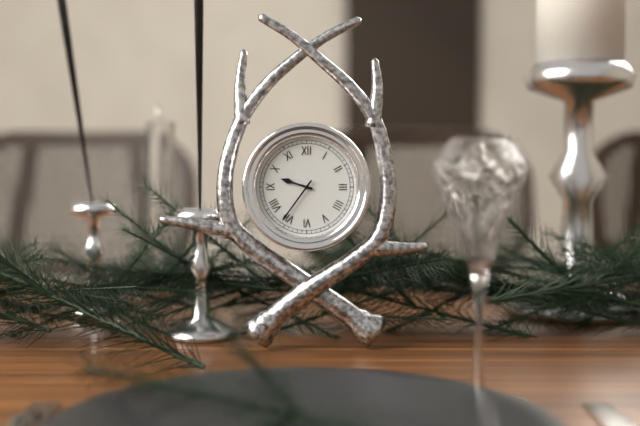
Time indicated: 9:36
